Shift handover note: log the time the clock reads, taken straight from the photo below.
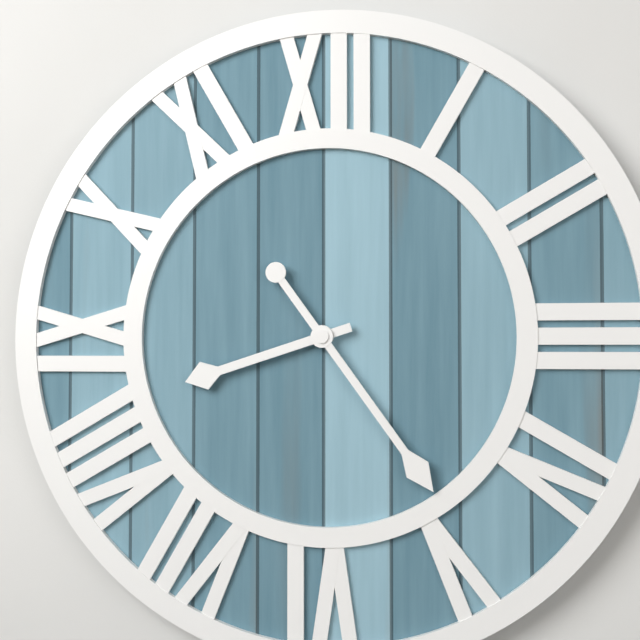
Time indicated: 8:24
